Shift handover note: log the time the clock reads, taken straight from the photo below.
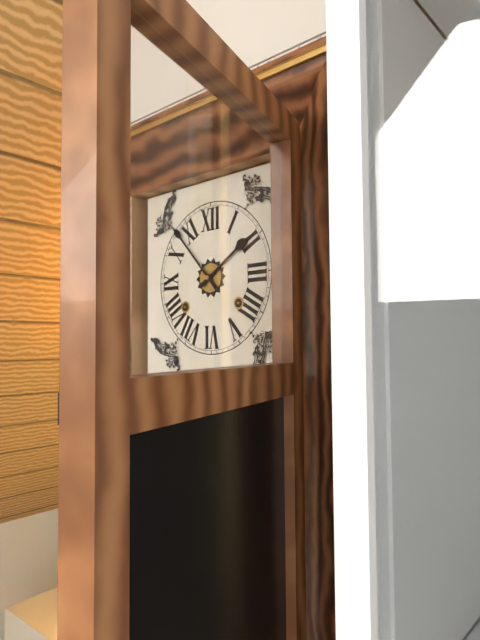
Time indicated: 1:53
